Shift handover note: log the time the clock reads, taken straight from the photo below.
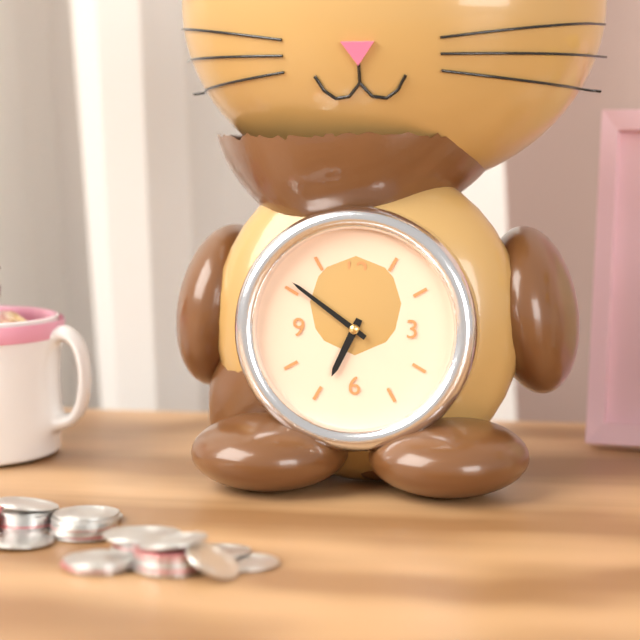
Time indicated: 6:51
